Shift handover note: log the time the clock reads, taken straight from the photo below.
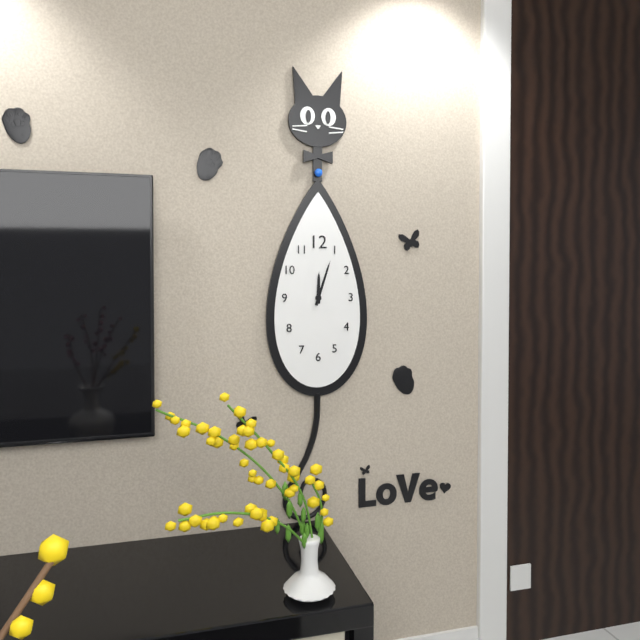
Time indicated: 12:03
